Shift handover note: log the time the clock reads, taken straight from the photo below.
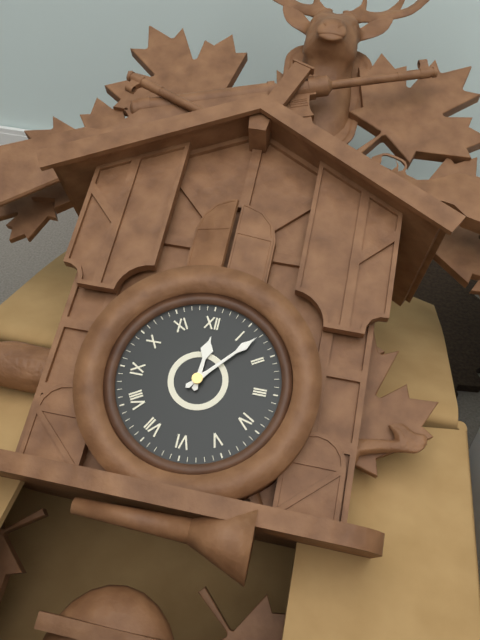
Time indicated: 12:07
